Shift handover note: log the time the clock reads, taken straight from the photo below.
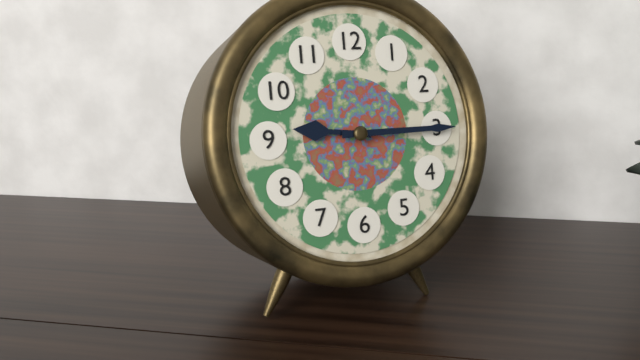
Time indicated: 9:15
